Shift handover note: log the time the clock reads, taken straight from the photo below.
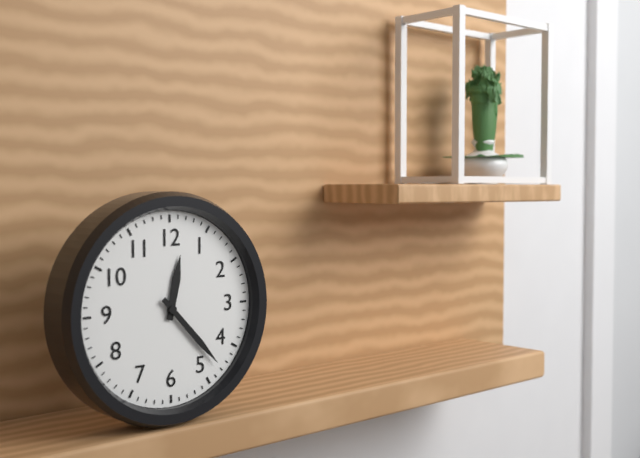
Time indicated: 12:23
